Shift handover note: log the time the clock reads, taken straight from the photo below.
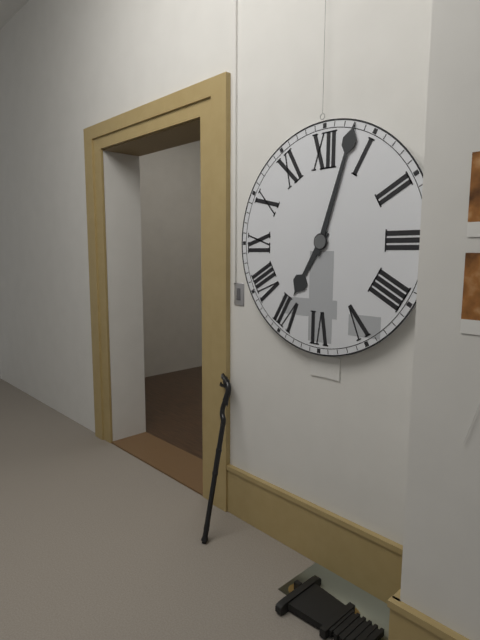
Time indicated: 7:03
